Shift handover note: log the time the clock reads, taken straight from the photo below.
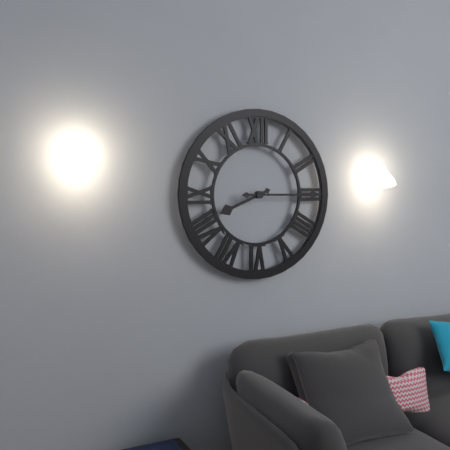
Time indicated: 8:15
